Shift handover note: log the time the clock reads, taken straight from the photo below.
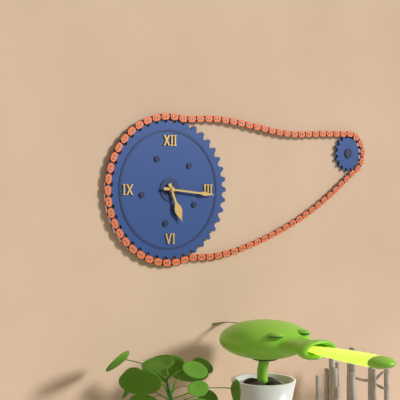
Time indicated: 5:16
